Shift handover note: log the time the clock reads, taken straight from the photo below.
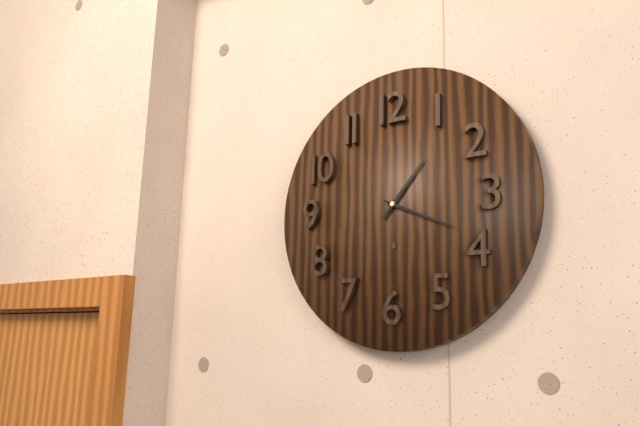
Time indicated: 1:19
